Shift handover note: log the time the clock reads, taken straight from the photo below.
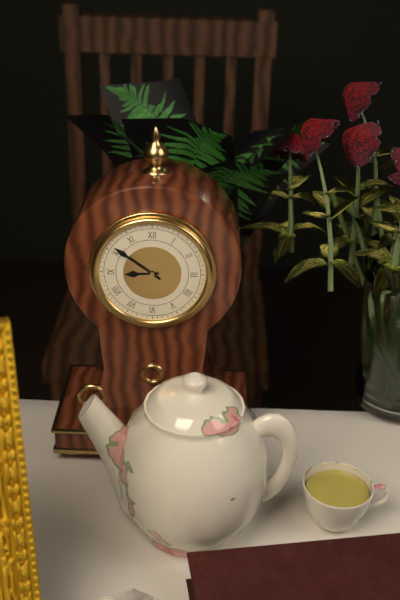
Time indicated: 8:51
